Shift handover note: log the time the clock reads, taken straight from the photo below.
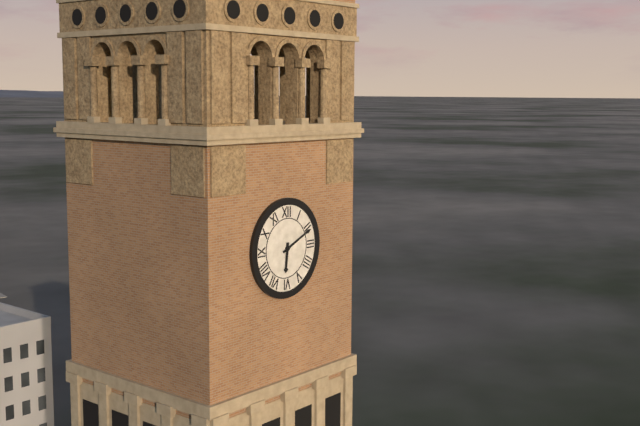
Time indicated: 6:11
